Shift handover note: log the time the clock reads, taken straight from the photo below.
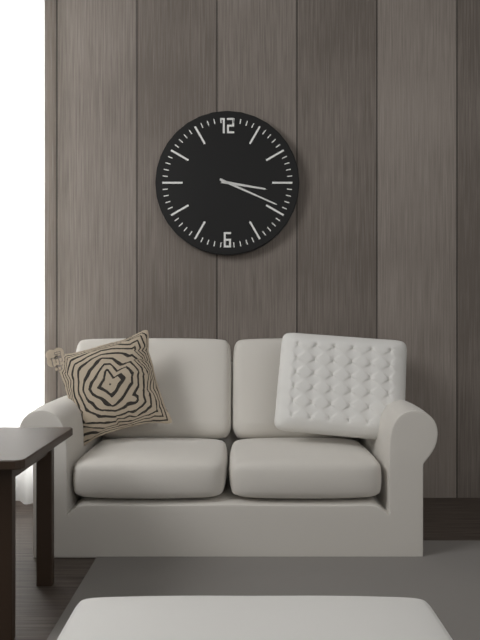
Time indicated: 3:19
